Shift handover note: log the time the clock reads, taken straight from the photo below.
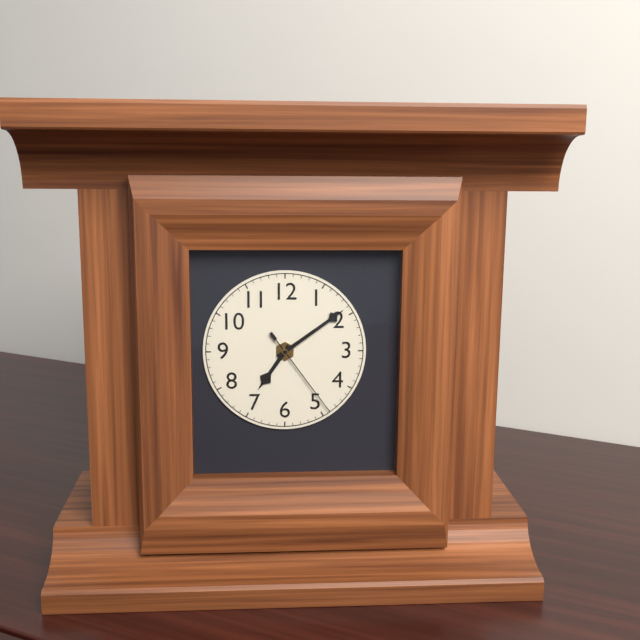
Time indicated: 7:09:24
